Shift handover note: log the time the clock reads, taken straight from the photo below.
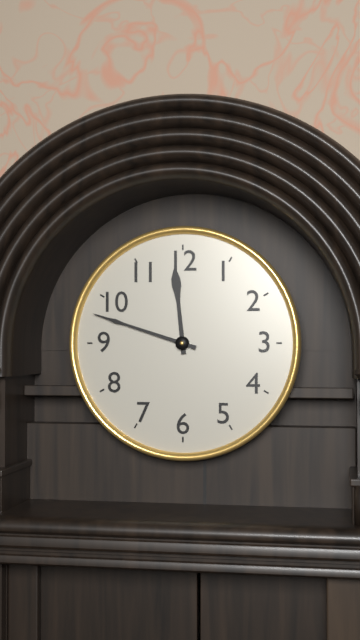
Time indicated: 11:48
